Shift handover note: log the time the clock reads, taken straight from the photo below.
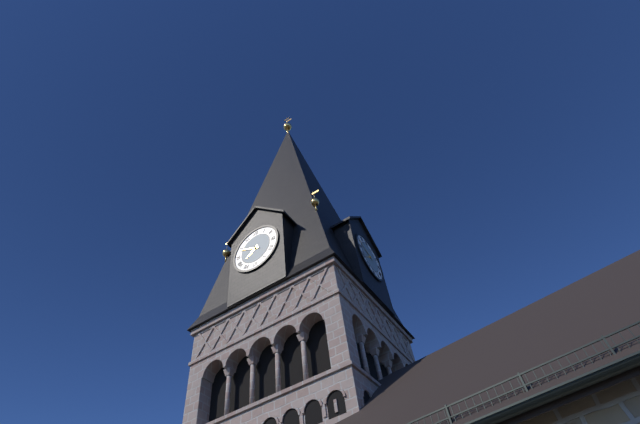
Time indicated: 7:49
